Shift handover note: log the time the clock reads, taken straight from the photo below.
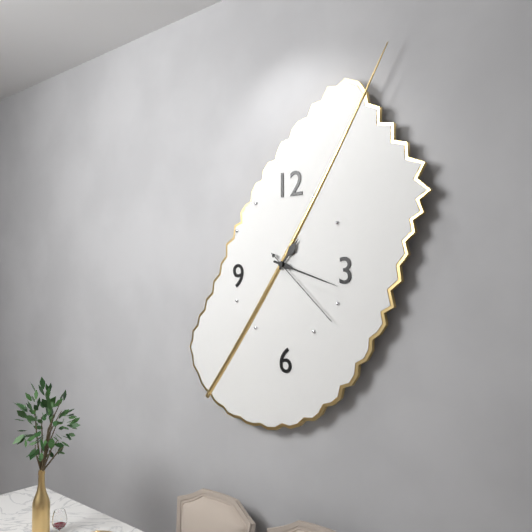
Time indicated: 1:18:22
